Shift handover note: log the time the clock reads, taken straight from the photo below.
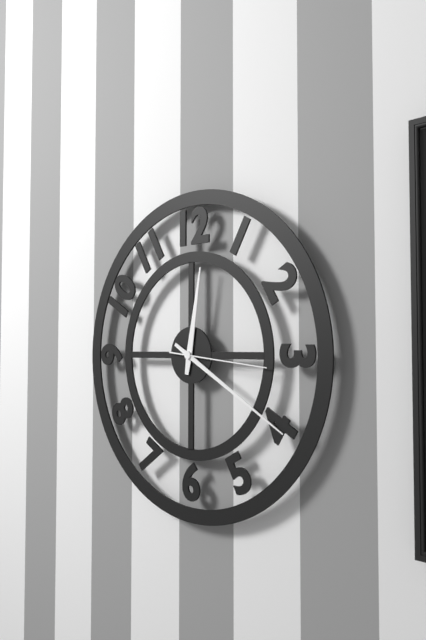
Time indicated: 12:20:16
